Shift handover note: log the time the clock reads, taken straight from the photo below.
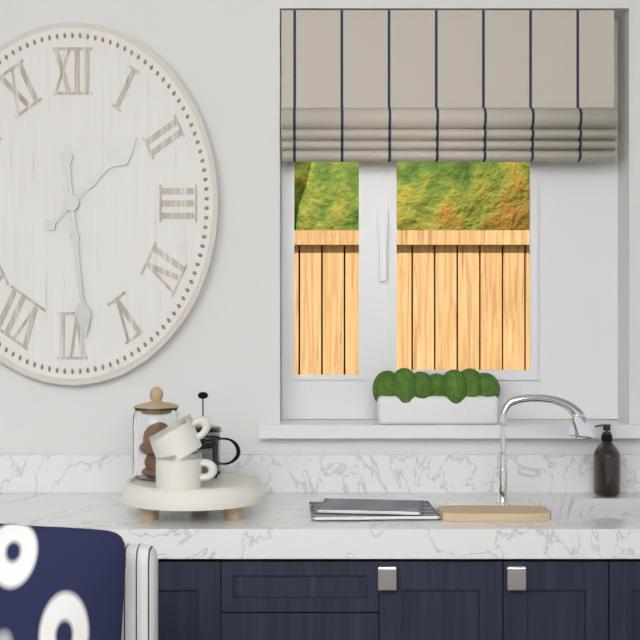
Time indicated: 1:29
